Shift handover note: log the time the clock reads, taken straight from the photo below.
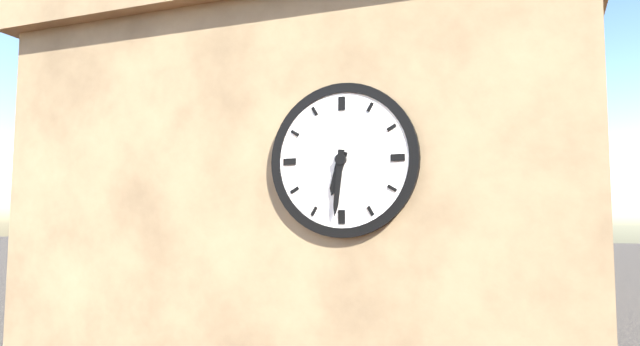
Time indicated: 6:31
